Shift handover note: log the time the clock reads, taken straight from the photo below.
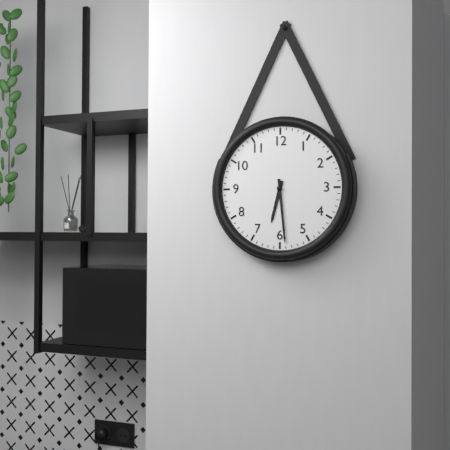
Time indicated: 6:29
